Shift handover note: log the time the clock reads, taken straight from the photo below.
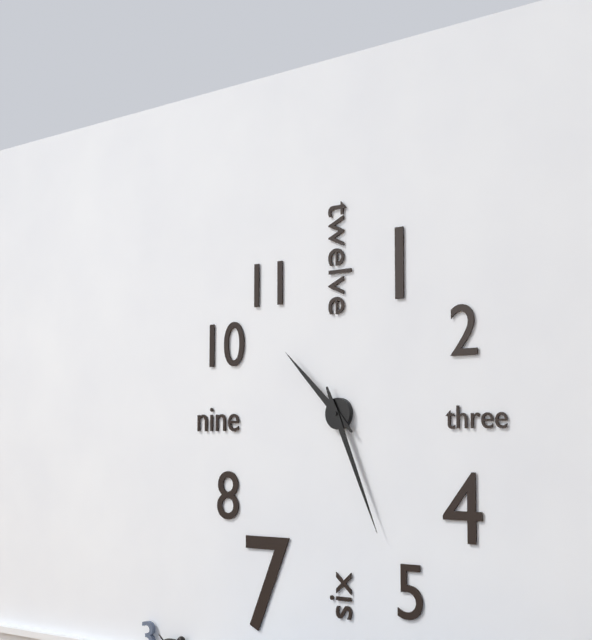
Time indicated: 10:26
